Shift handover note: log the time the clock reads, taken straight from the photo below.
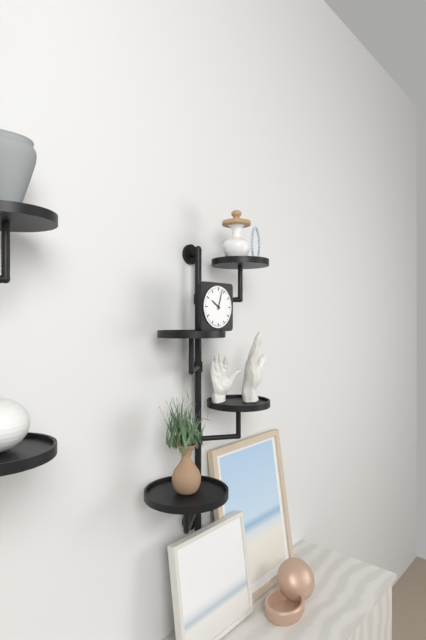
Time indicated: 10:03
